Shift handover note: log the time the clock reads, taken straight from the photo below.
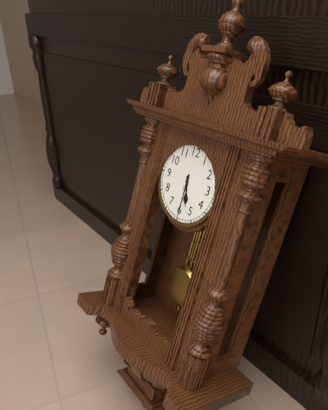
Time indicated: 5:30
